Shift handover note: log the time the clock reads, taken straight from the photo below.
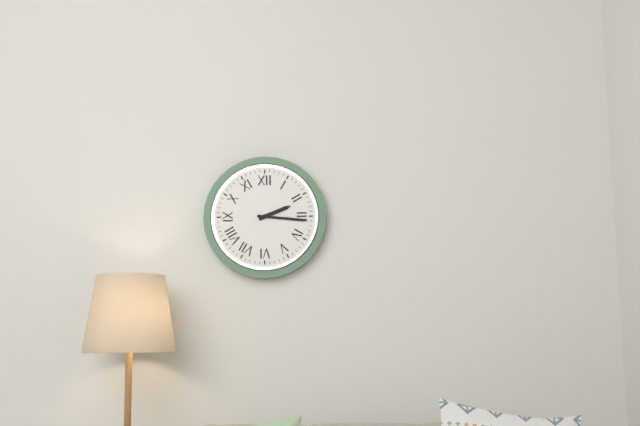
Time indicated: 2:16
